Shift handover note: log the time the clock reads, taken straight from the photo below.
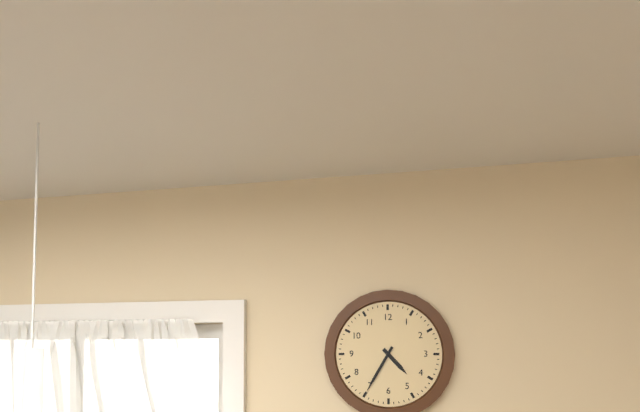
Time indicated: 4:35
